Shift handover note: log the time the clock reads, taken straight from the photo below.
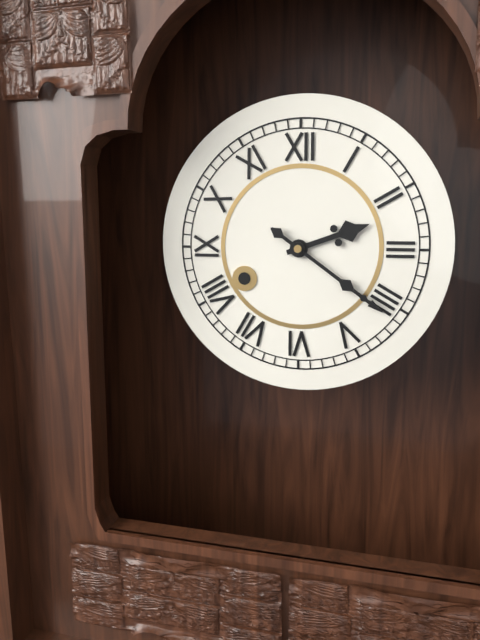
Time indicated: 2:21
